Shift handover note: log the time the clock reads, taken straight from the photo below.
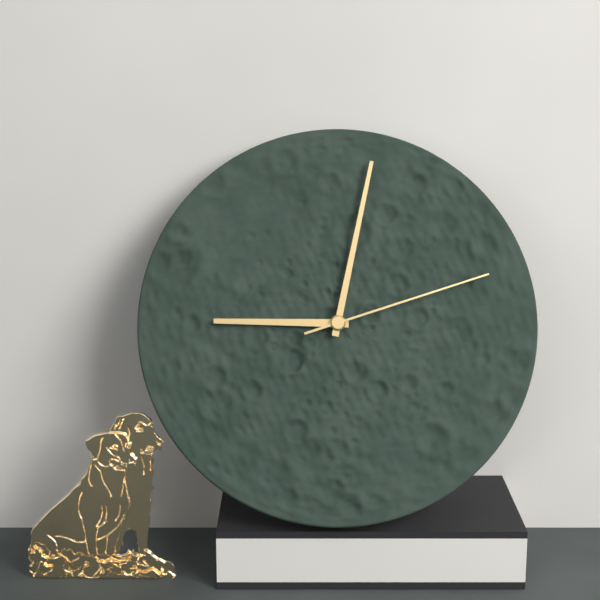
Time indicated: 9:02:12
